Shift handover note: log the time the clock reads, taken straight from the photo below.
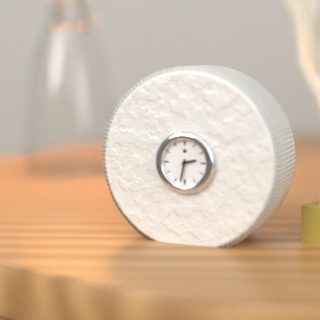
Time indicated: 2:32
